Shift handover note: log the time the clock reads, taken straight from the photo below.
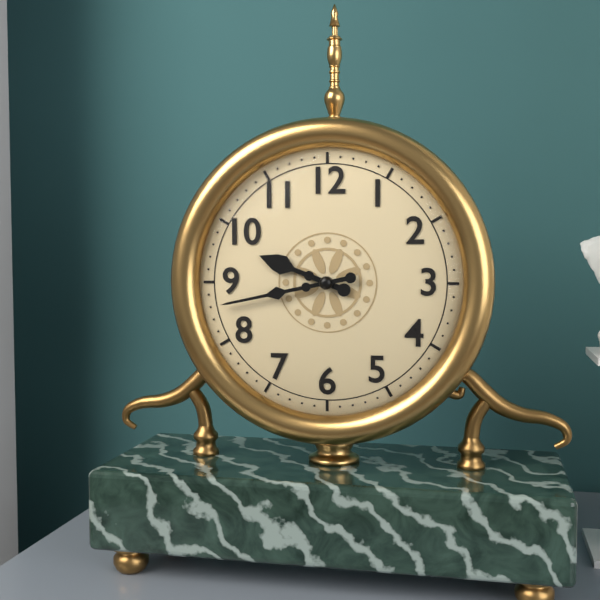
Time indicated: 9:43
